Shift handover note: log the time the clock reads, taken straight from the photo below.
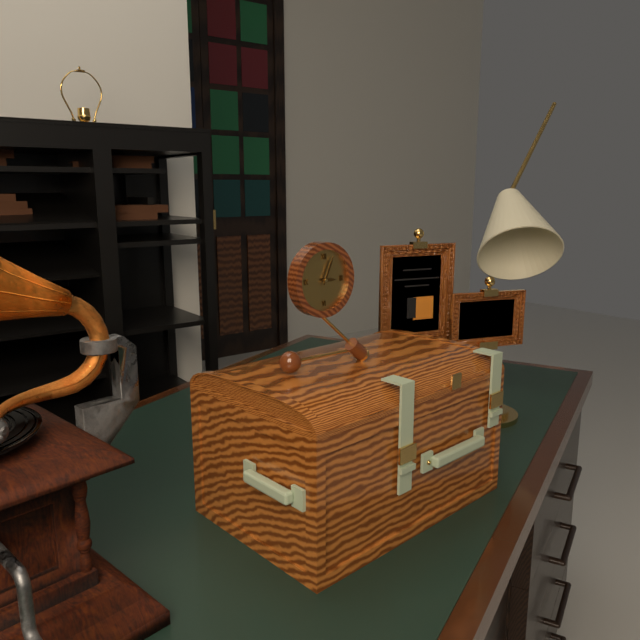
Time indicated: 3:04
